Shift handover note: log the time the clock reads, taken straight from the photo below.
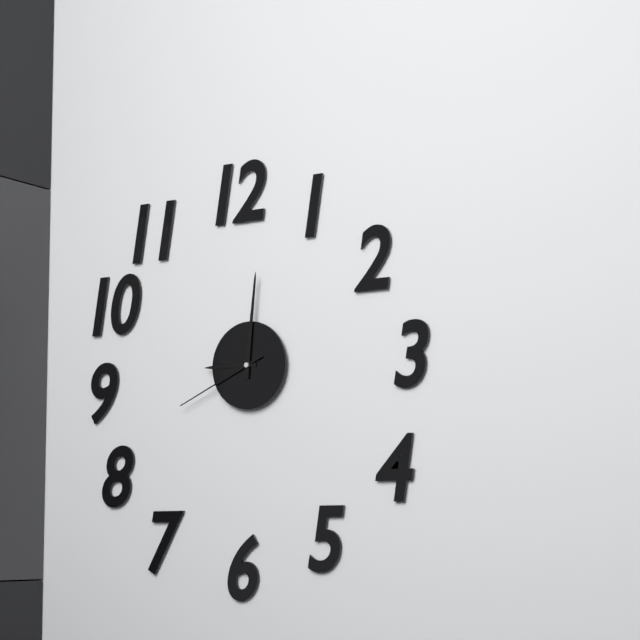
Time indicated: 9:01:41
